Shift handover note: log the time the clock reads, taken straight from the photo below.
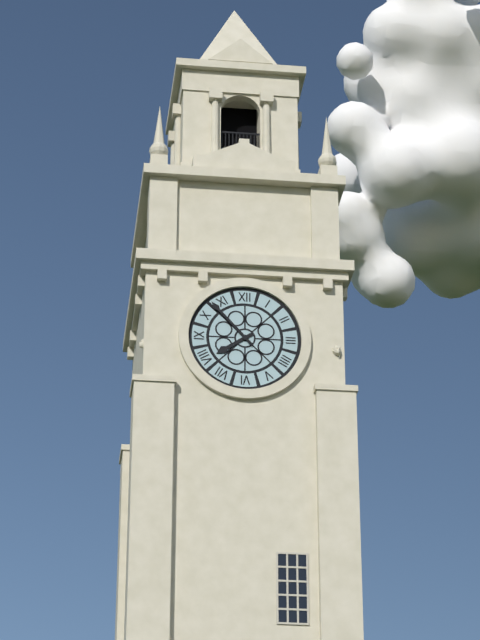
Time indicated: 7:53
